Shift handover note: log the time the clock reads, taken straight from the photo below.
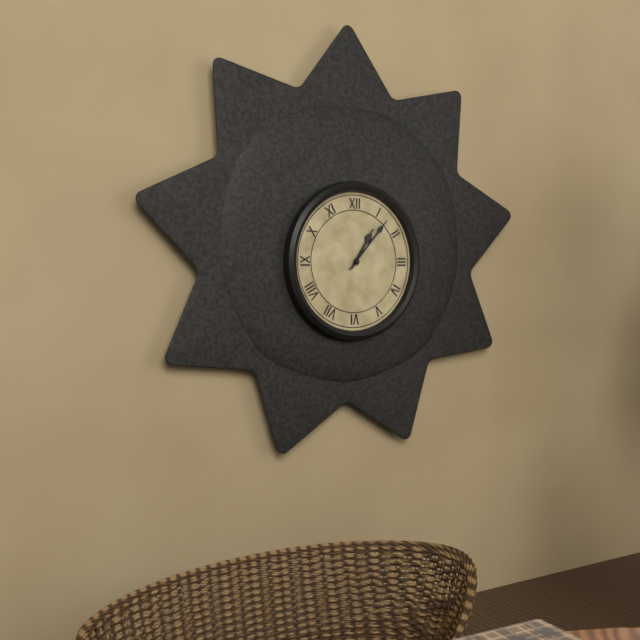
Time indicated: 1:07
